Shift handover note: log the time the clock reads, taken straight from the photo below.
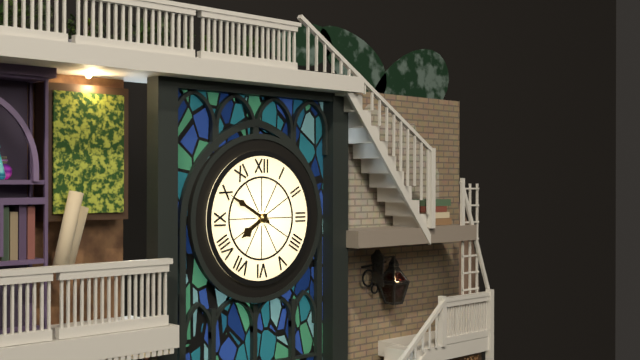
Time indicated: 7:50
